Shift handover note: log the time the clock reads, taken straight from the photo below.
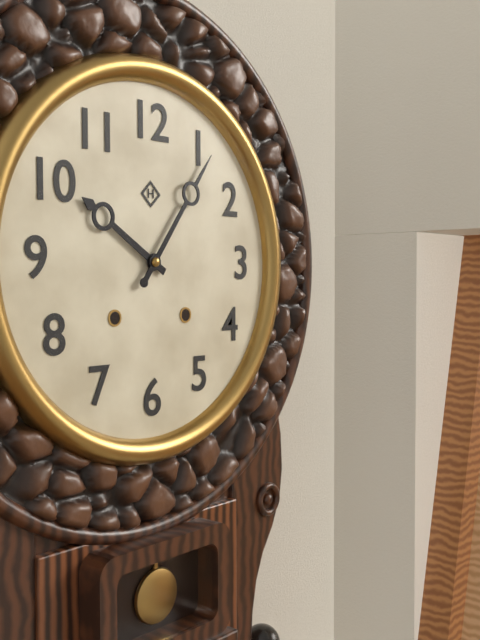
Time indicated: 10:06
